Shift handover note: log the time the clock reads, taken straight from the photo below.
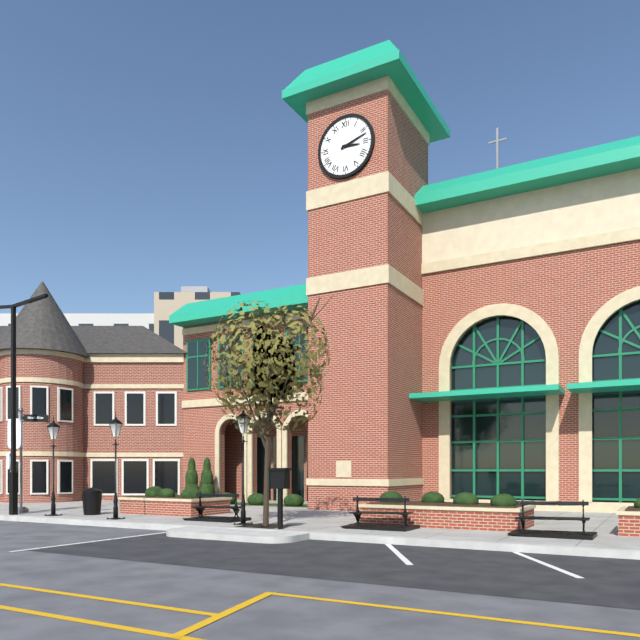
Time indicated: 3:12
